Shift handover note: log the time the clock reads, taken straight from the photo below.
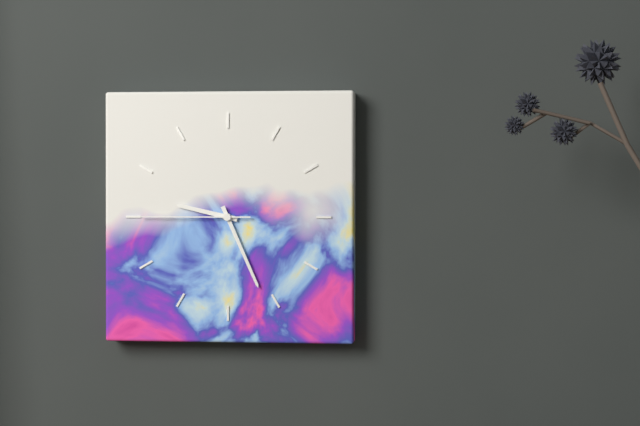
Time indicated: 9:26:45
